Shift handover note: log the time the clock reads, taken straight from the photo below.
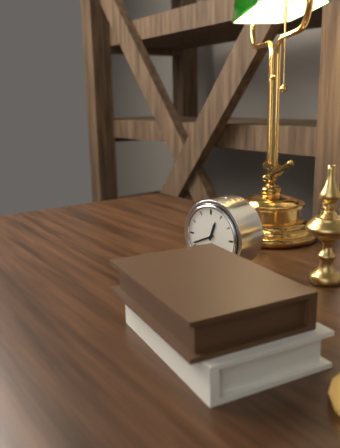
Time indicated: 12:41
